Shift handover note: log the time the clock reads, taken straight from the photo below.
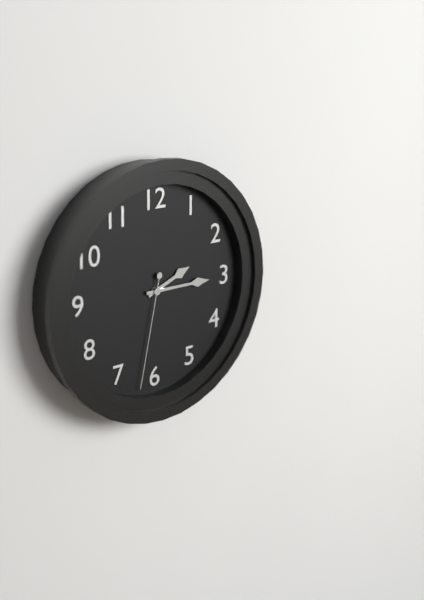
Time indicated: 2:15:32
